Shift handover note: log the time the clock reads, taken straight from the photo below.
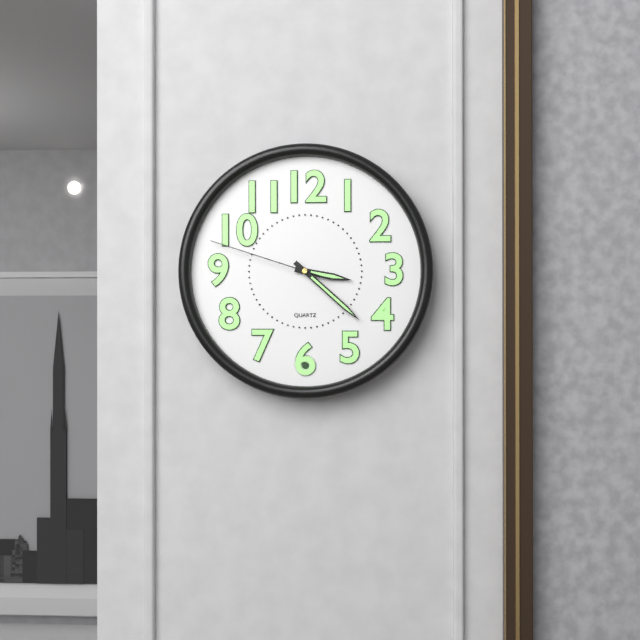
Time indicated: 3:22:48
